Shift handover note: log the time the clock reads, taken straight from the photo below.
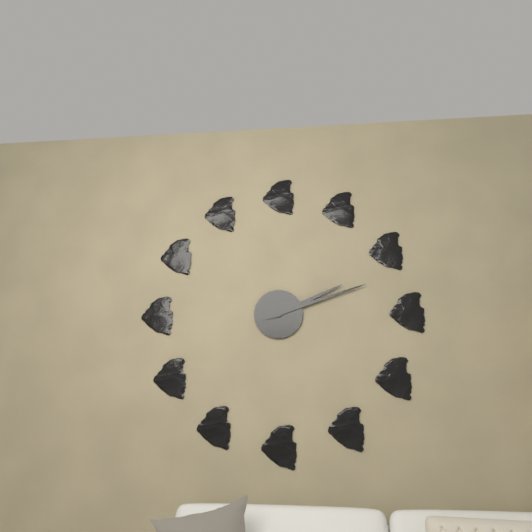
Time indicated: 2:12
